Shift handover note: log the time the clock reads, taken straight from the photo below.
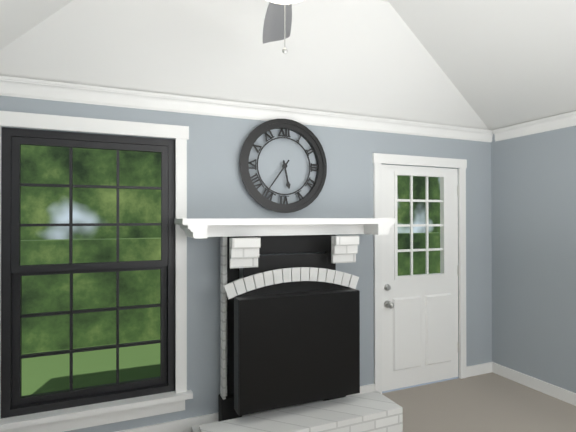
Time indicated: 5:36
